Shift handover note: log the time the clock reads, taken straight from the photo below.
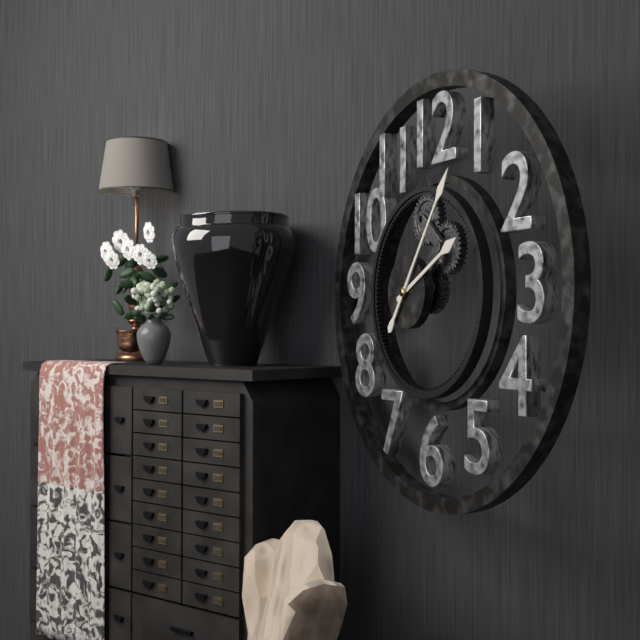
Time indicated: 2:06
